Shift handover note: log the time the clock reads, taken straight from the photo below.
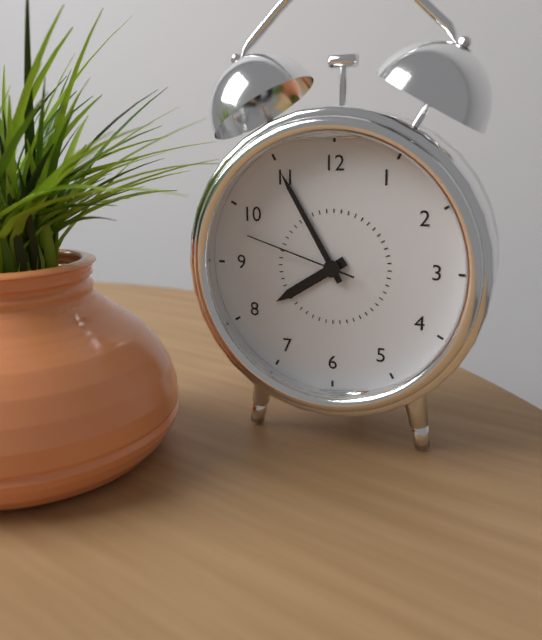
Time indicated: 7:55:48
